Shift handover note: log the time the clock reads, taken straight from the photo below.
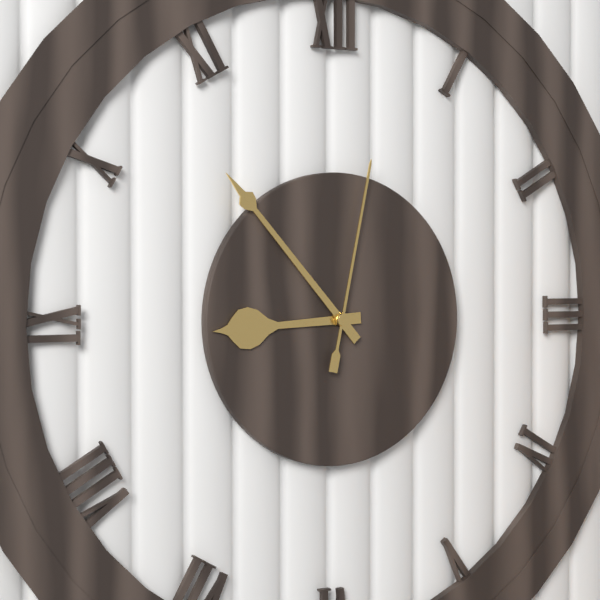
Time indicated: 8:53:02
